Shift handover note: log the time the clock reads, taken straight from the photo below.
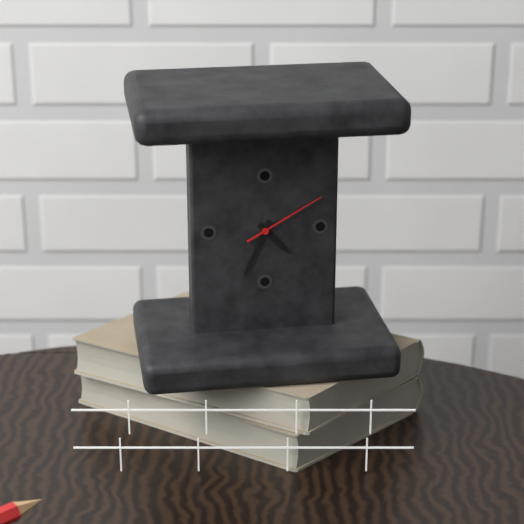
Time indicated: 4:34:10
